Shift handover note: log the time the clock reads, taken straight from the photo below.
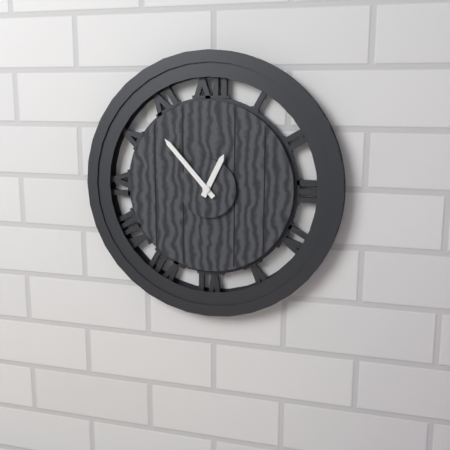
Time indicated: 12:53
